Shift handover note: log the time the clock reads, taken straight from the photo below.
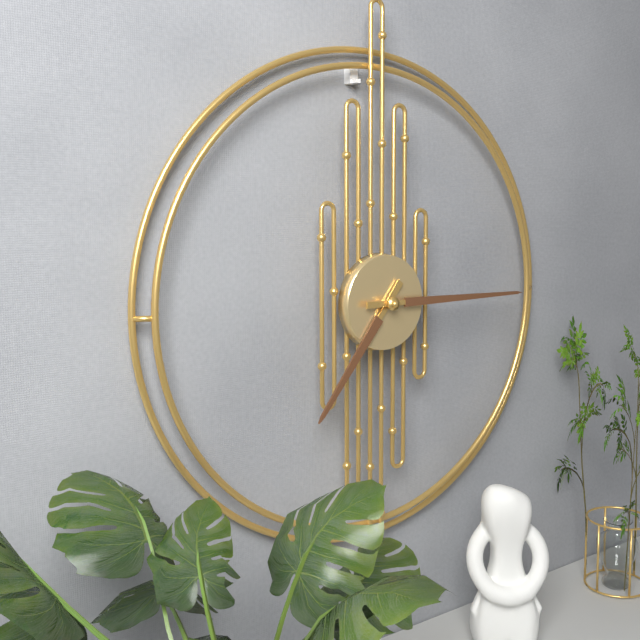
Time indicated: 7:15
